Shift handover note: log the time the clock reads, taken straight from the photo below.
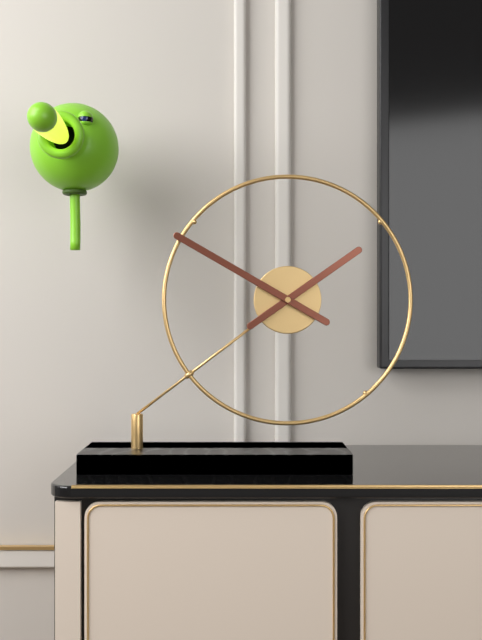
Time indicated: 1:50
